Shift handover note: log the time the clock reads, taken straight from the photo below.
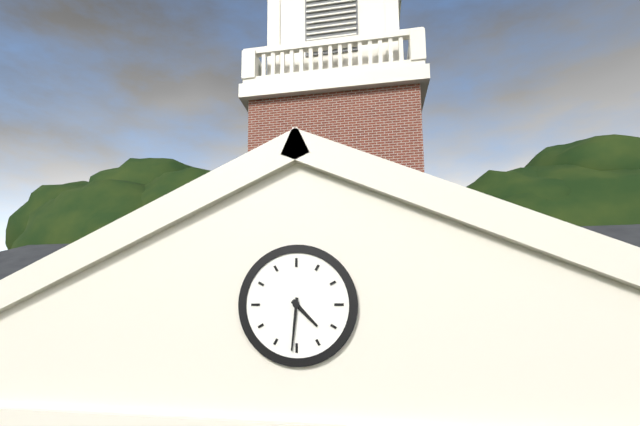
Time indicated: 4:31
